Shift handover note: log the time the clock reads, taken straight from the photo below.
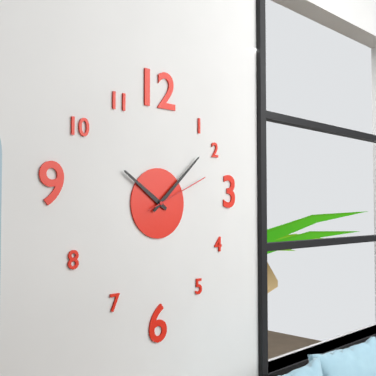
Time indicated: 10:08:11
